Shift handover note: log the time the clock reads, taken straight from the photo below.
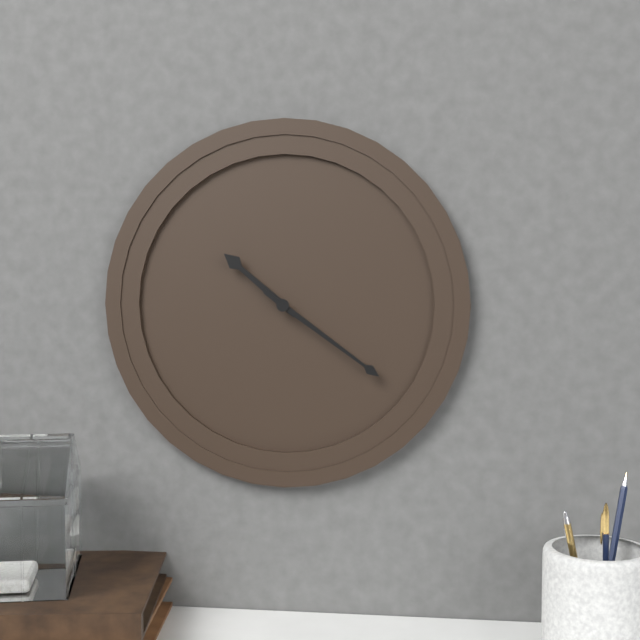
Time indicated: 10:21
